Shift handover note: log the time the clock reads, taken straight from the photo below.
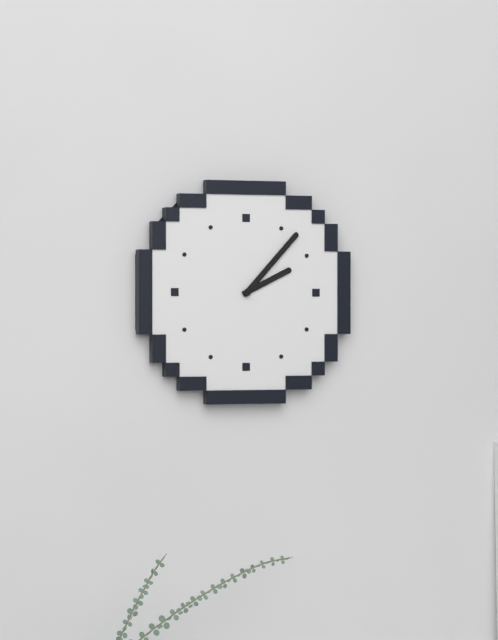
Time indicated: 2:07
